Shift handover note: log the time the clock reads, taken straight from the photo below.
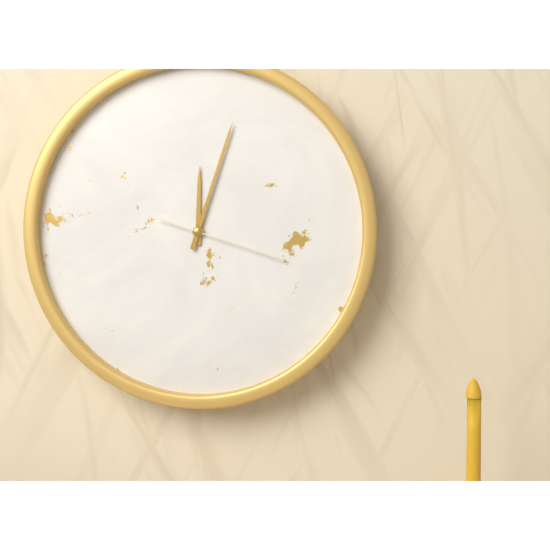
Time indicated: 12:03:18
